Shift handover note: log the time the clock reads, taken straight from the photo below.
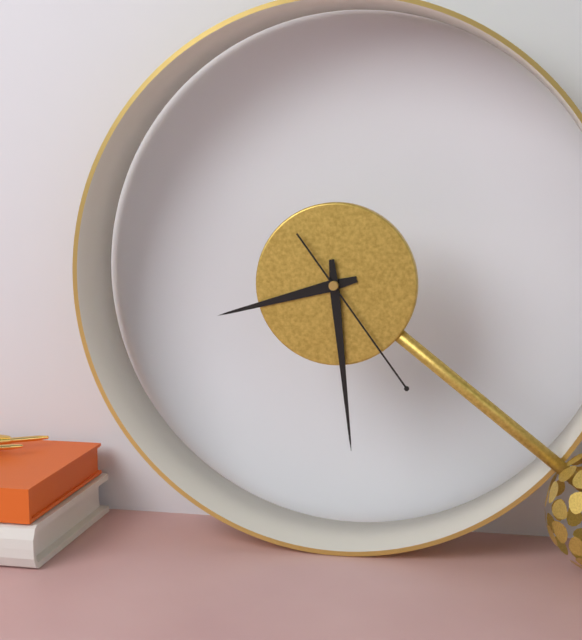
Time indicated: 8:29:24
